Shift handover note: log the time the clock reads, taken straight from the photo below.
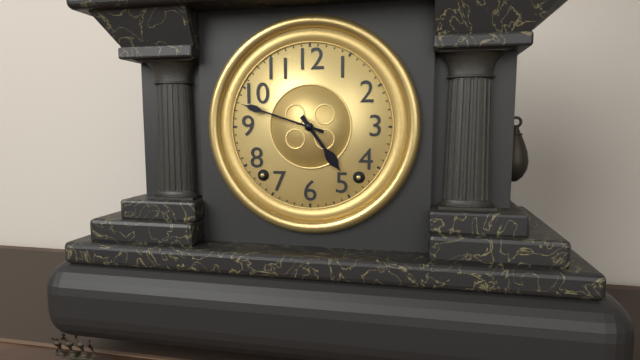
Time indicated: 4:48
